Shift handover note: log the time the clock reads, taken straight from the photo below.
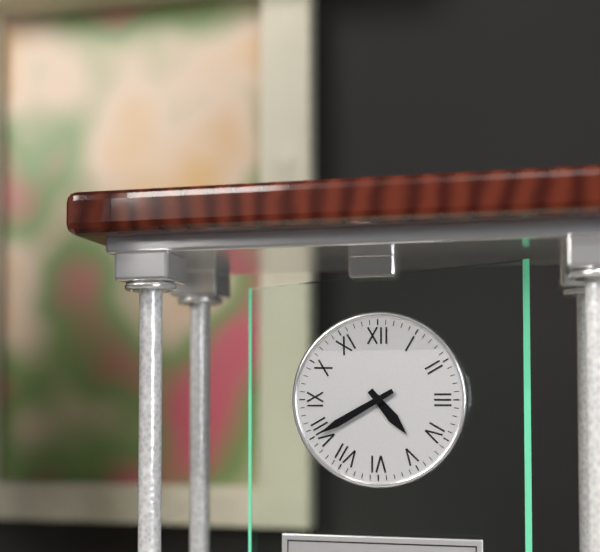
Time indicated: 4:40
